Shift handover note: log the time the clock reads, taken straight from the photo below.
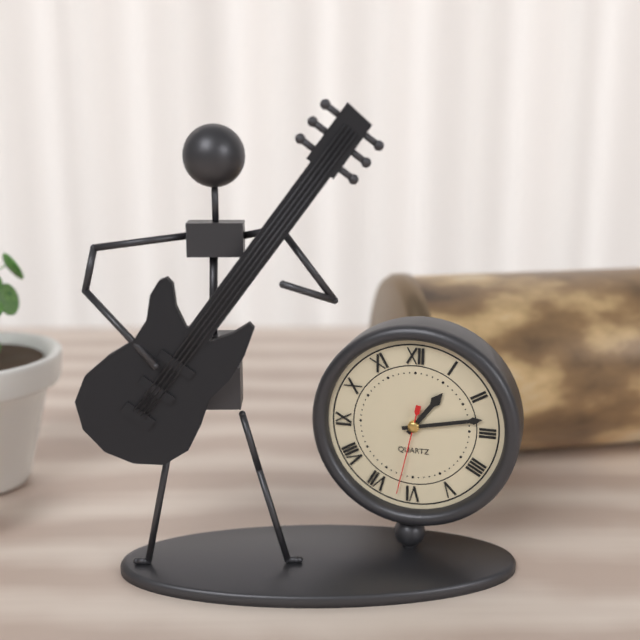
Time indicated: 1:13:32
